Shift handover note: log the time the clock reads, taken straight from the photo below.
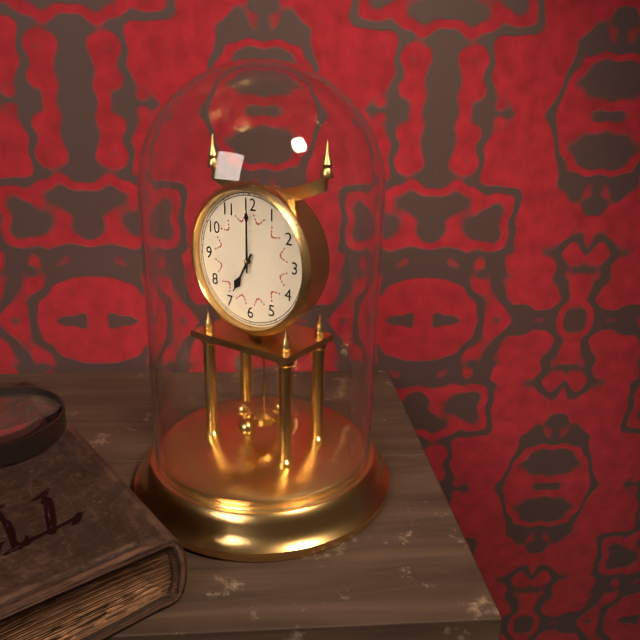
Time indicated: 7:00
